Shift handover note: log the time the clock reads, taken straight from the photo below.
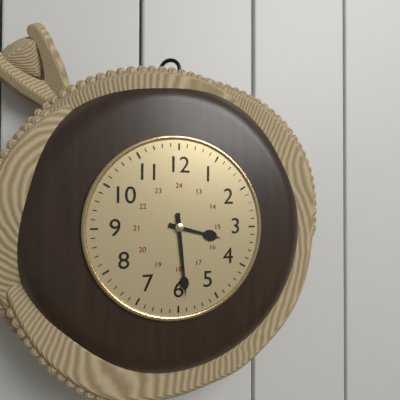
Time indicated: 3:29
